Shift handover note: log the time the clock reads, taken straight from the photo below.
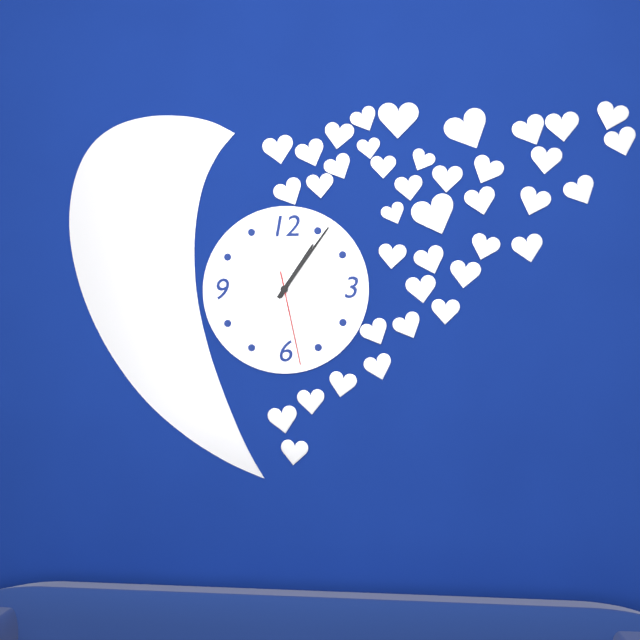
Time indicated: 1:06:28
